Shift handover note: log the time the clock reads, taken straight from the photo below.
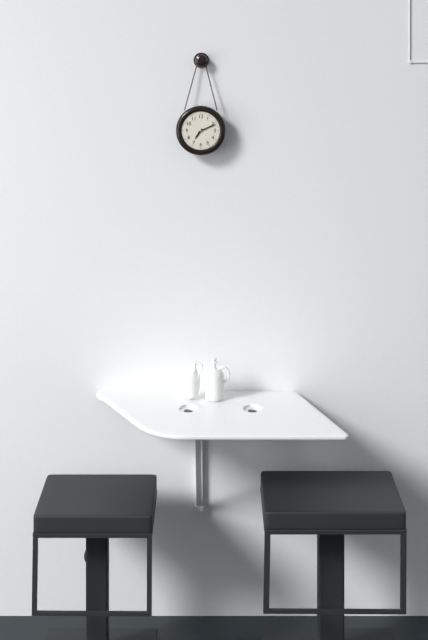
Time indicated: 7:11
